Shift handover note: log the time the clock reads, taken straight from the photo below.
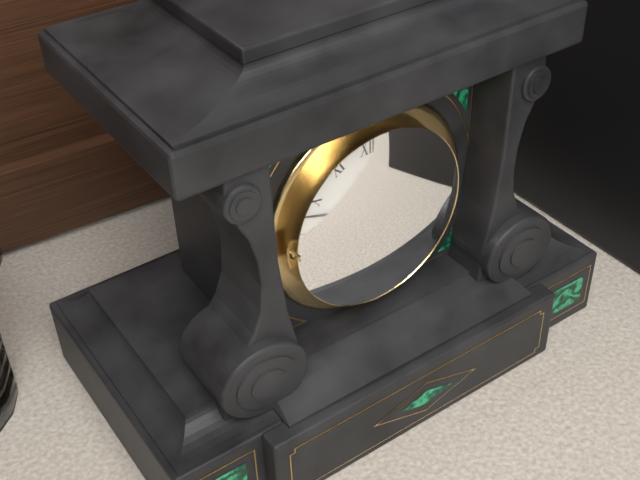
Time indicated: 8:48
